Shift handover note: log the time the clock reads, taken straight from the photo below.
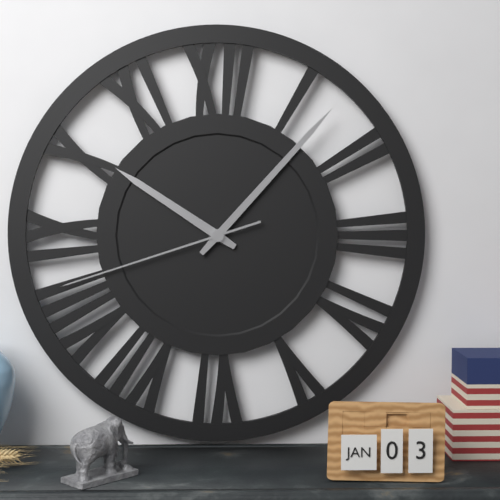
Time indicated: 10:07:42
